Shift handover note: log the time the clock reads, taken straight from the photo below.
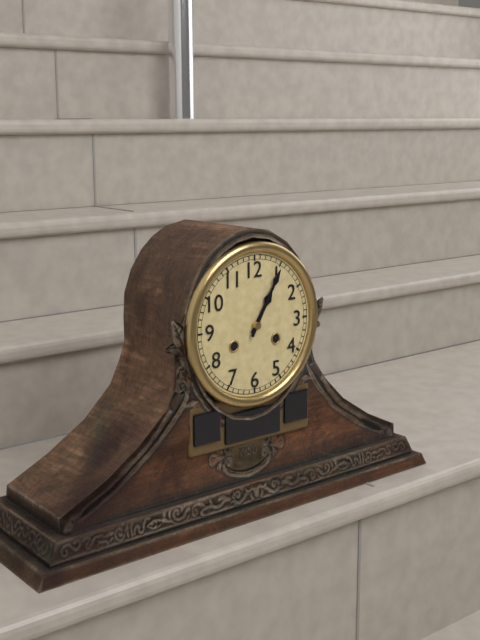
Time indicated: 1:05
